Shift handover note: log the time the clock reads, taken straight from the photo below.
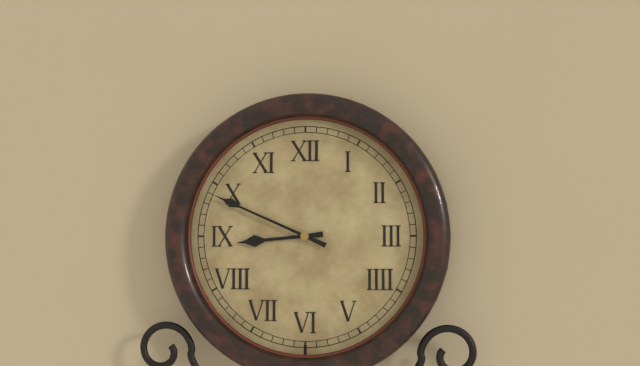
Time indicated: 8:49
